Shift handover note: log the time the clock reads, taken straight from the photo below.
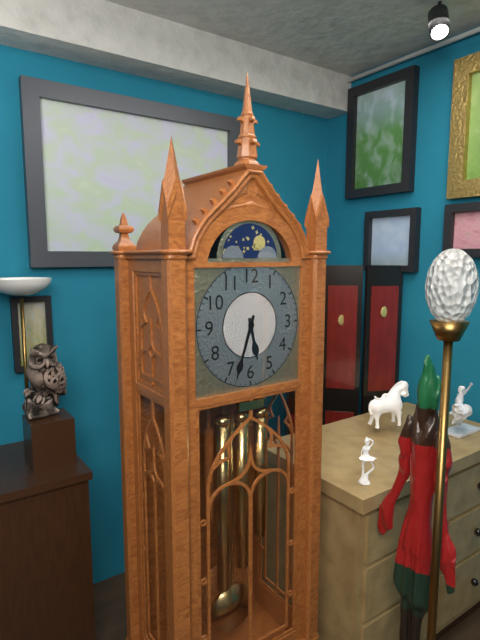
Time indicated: 5:33
